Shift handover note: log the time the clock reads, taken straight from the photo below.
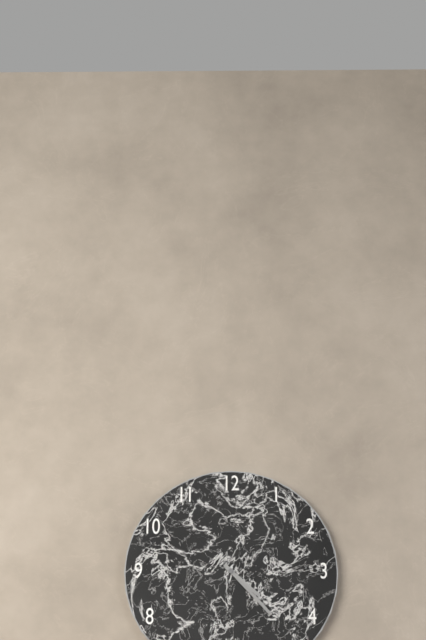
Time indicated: 4:23
